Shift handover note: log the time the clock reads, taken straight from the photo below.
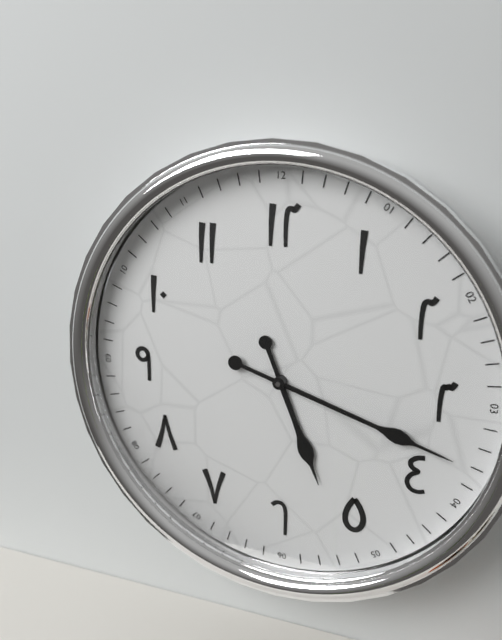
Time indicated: 5:18
